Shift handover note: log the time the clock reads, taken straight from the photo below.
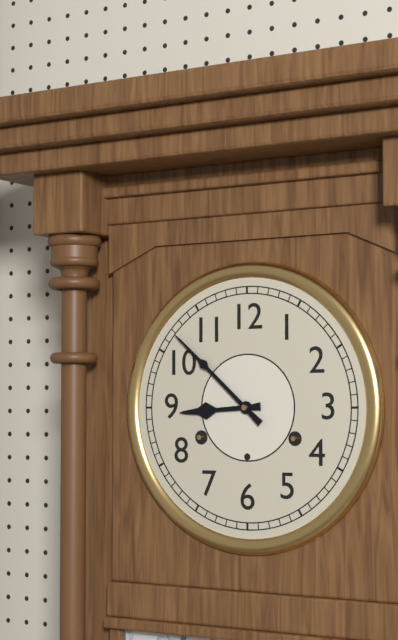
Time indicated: 8:52
